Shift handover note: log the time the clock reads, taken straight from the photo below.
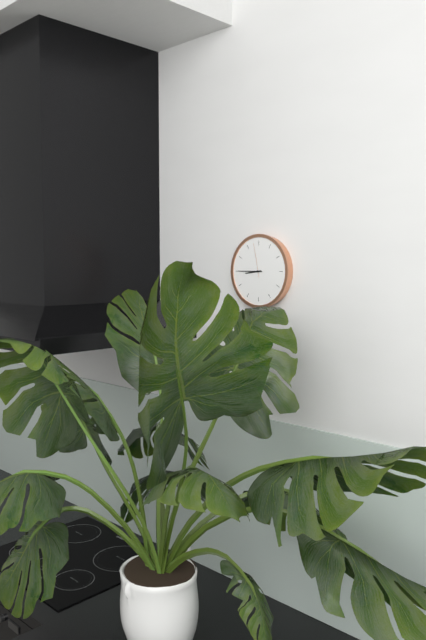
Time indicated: 8:45
